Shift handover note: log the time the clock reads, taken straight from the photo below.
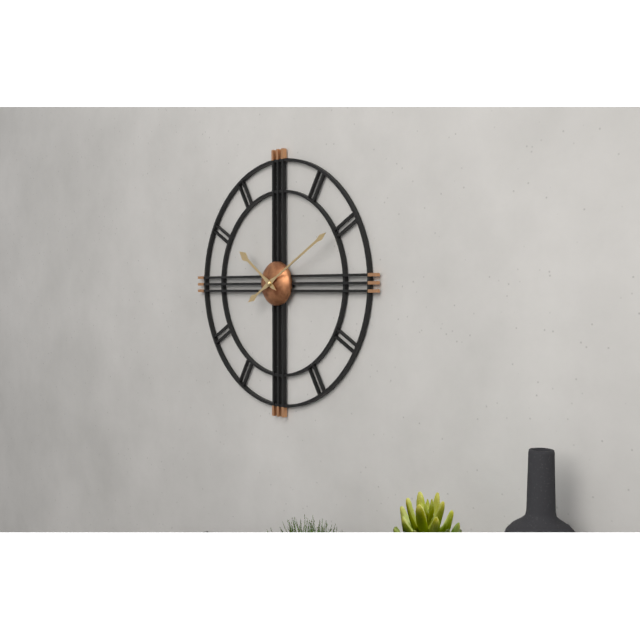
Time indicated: 10:10
